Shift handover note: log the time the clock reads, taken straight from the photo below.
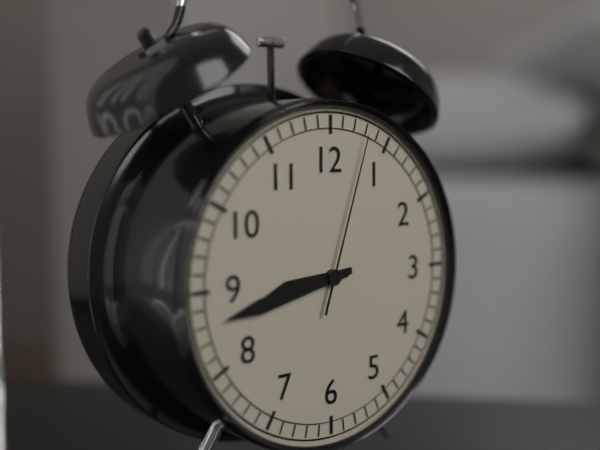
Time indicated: 8:43:03
